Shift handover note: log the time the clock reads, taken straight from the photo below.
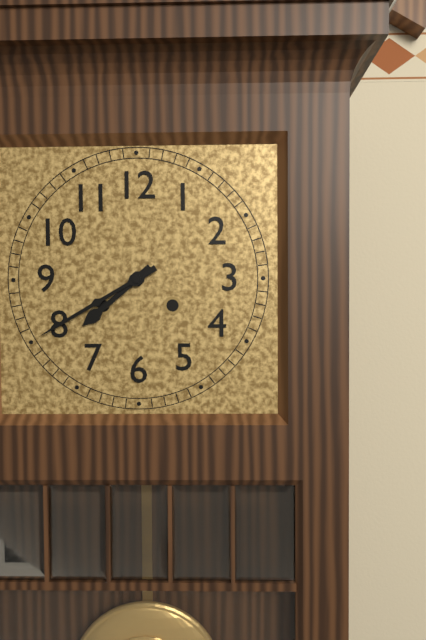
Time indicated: 7:40
